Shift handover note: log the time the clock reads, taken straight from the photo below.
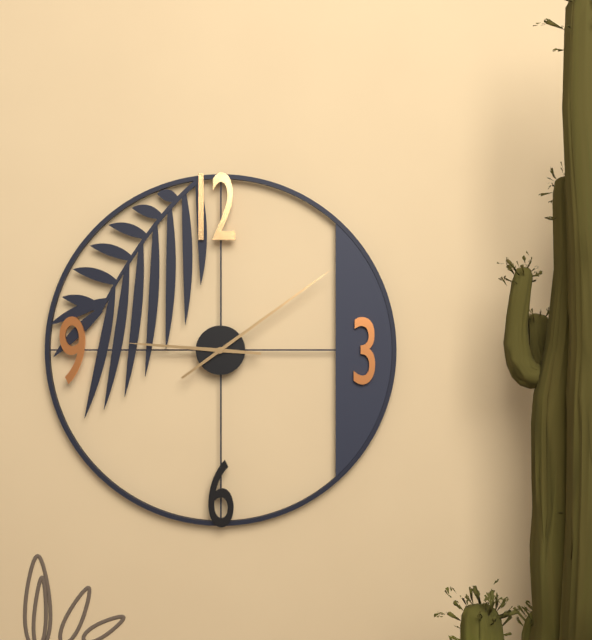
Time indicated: 9:09
